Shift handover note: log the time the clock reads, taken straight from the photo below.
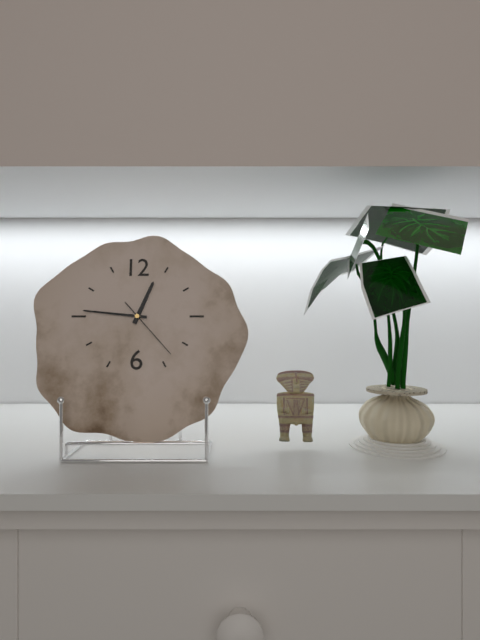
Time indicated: 12:46:23
